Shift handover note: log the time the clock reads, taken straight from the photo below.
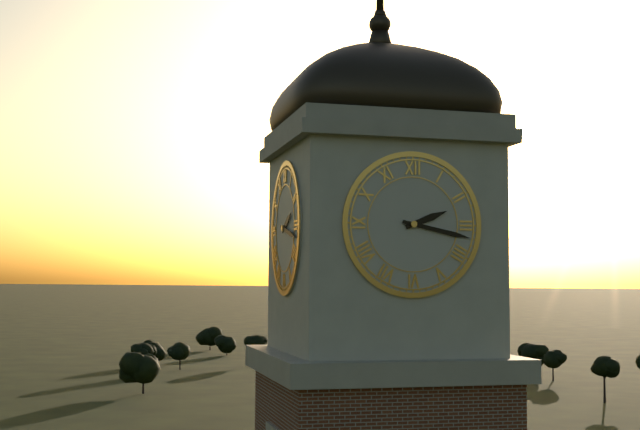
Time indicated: 2:17
